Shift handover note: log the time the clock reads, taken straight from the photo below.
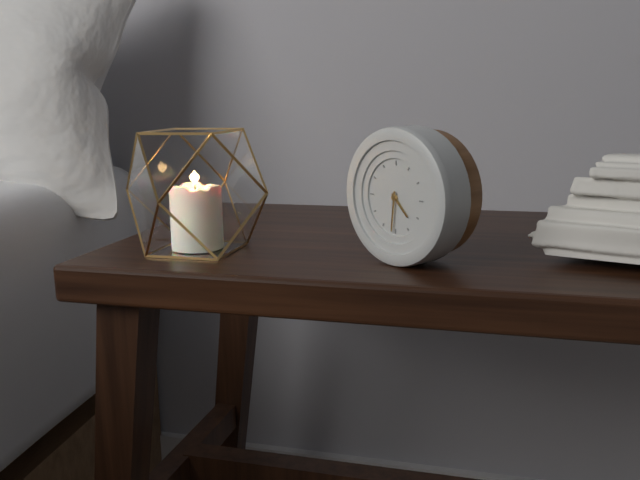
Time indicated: 4:31
